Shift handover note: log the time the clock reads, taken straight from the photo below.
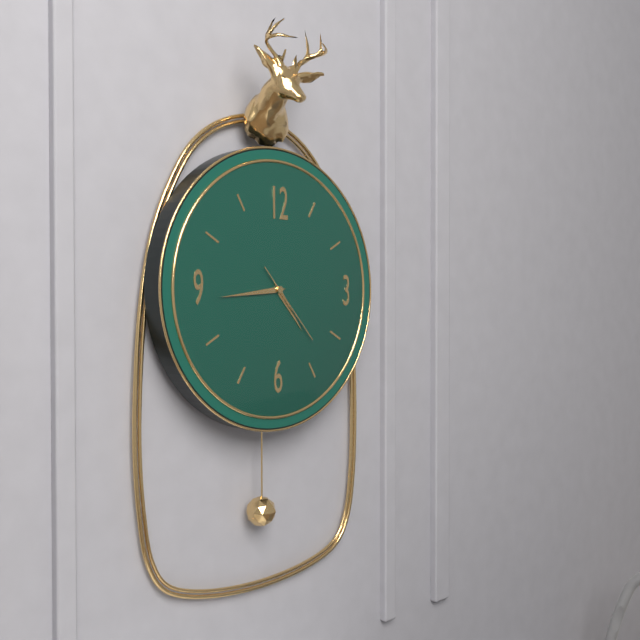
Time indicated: 4:44:23
